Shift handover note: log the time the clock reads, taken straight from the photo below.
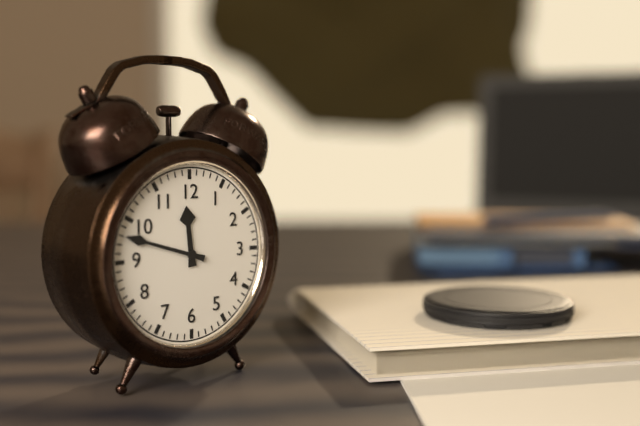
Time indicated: 11:48
